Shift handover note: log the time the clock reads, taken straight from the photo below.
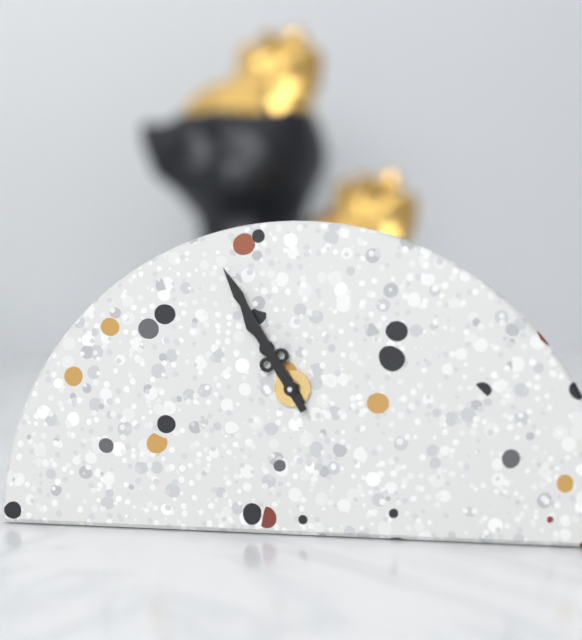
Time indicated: 10:55
